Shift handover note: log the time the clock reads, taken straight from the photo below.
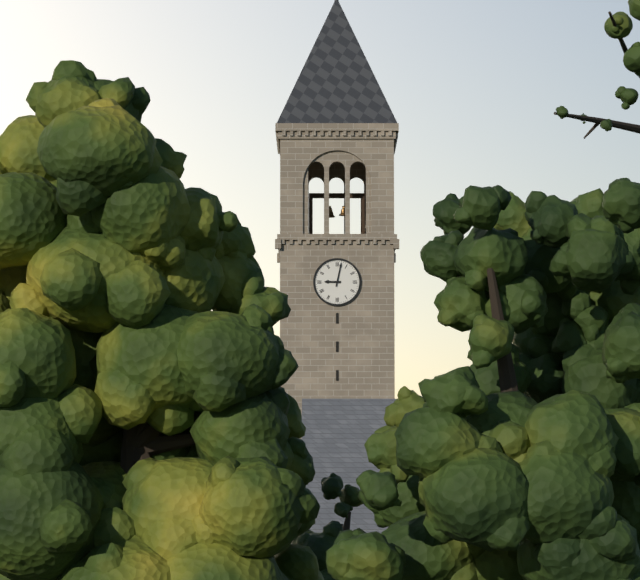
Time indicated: 9:02
